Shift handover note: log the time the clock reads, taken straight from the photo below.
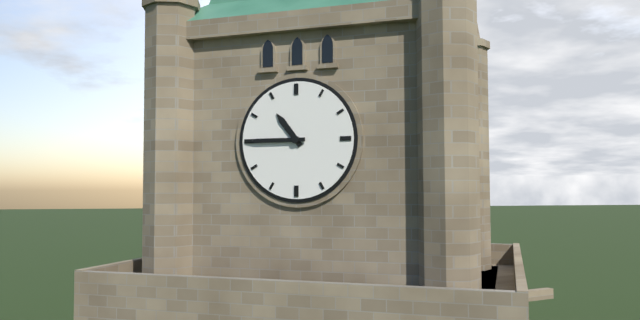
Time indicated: 10:45
